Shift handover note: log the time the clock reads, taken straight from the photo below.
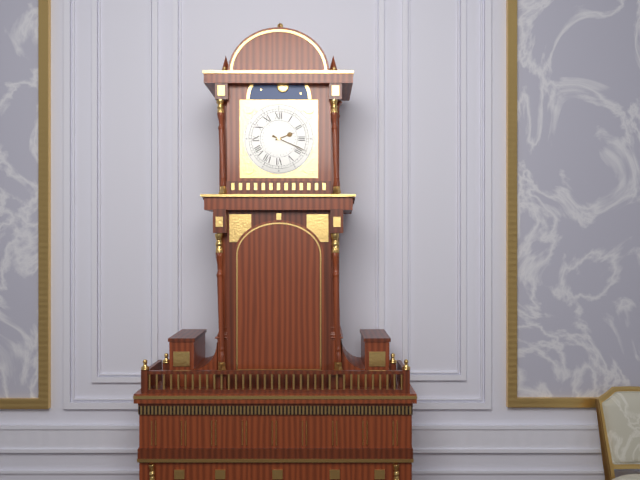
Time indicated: 2:19
